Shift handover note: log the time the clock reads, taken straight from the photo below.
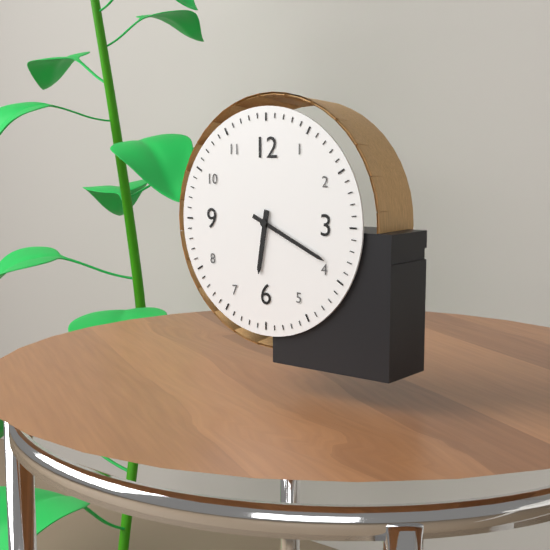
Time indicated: 6:19
